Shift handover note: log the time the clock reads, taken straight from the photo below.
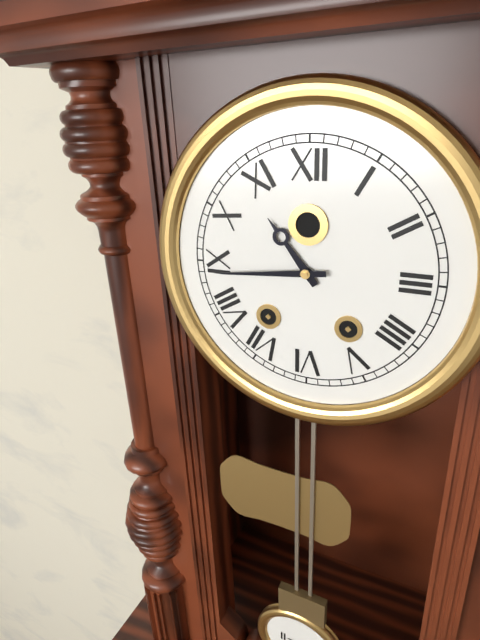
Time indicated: 10:44
